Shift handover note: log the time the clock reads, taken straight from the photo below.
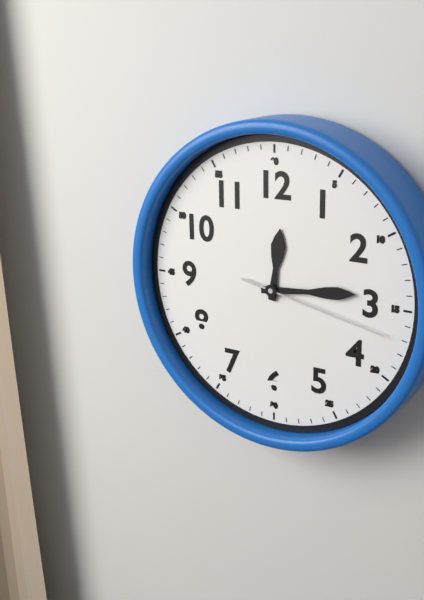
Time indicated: 12:14:17
